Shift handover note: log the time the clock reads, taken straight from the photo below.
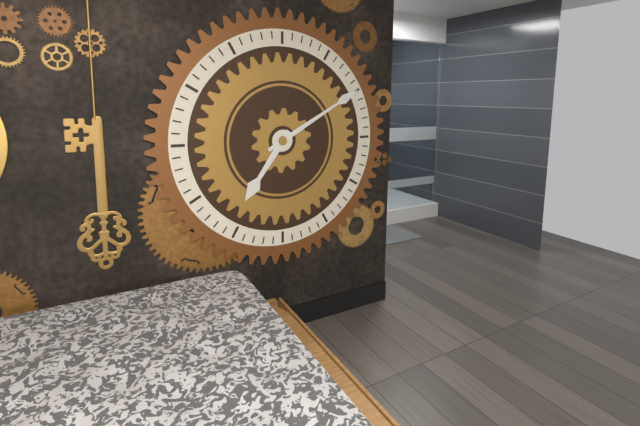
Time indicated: 7:10
